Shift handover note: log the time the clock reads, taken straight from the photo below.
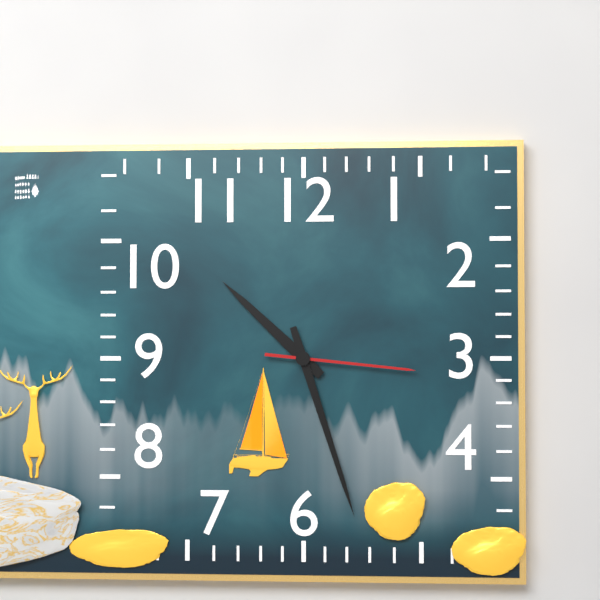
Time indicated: 10:27:16
